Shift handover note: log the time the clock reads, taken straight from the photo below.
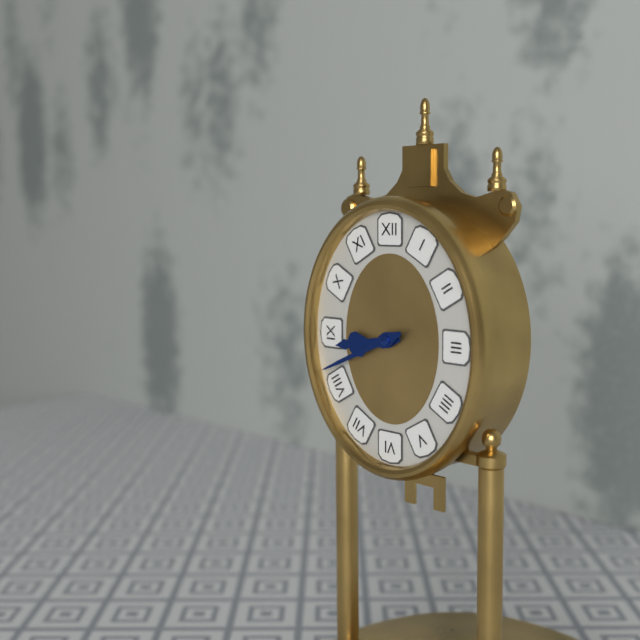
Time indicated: 8:41
